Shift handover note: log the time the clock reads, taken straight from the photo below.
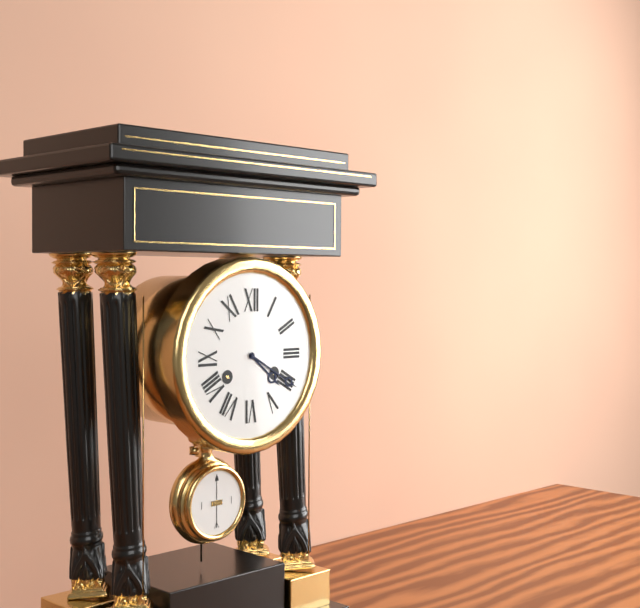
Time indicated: 4:20
